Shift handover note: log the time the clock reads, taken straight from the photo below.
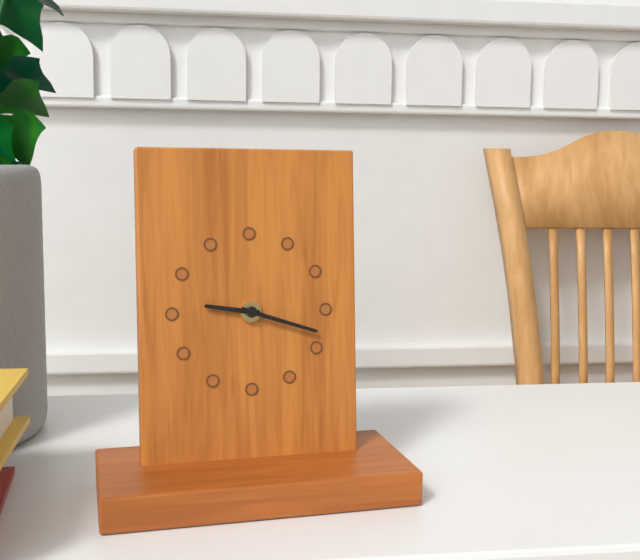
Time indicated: 9:18
